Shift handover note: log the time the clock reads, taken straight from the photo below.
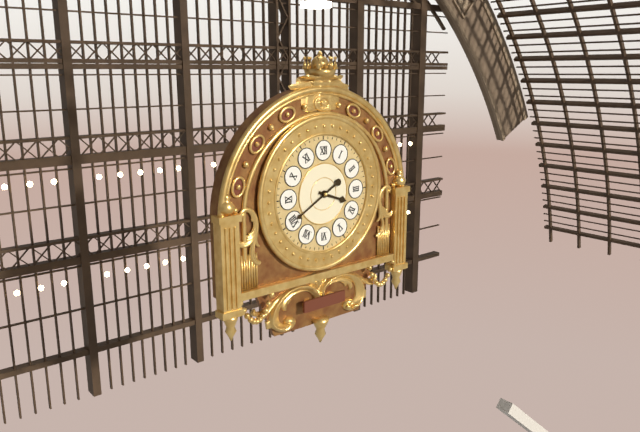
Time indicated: 3:40
